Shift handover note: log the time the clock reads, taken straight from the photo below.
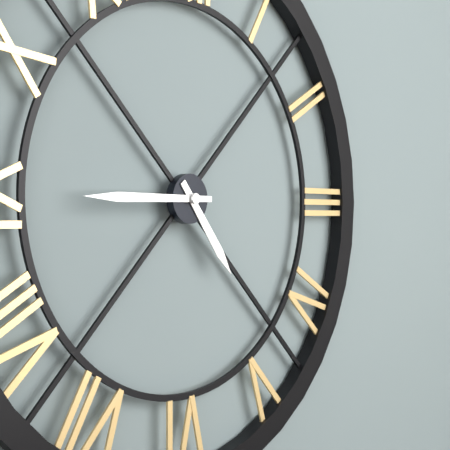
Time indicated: 4:45
